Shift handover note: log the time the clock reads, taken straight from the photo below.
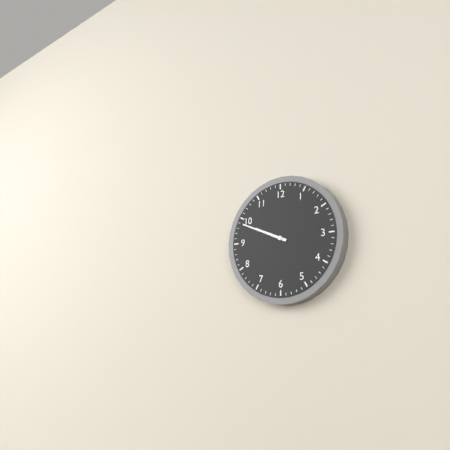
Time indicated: 9:49
